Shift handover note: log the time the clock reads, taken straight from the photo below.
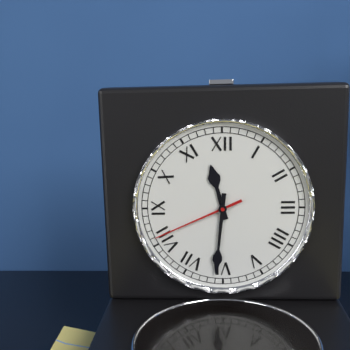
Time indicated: 11:31:41
